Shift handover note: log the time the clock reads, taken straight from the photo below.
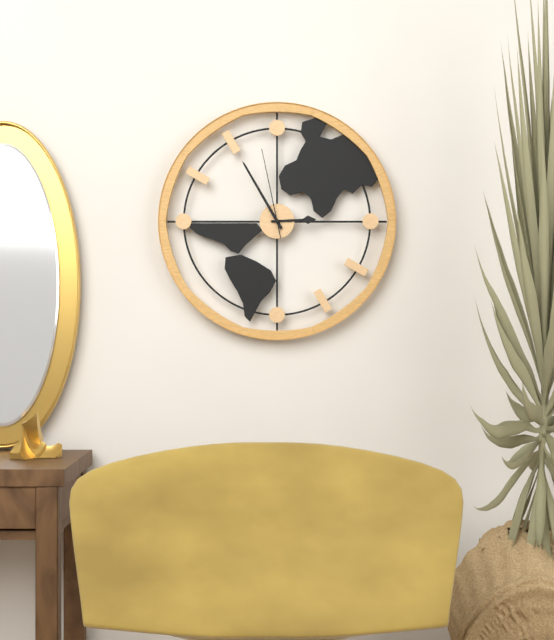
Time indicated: 2:55:58
